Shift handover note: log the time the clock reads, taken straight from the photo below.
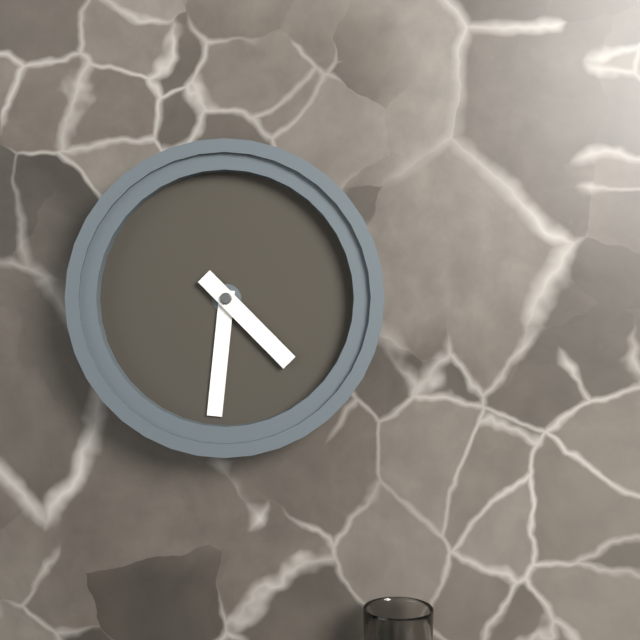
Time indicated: 4:31
